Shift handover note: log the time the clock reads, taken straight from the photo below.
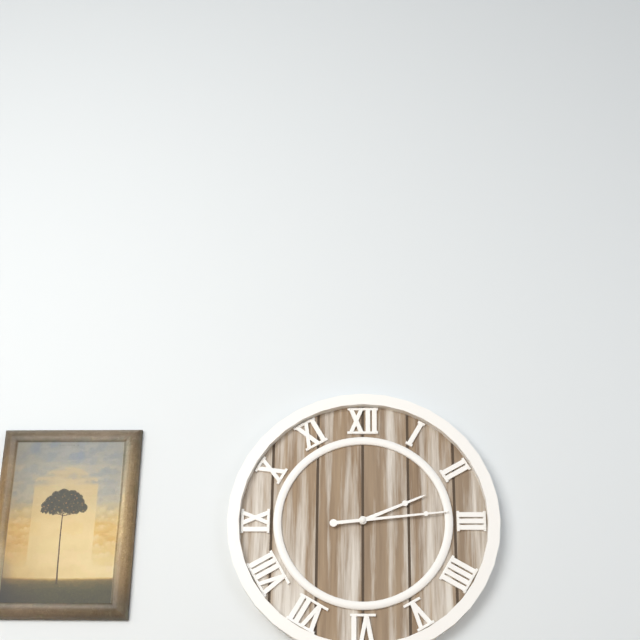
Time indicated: 2:14
